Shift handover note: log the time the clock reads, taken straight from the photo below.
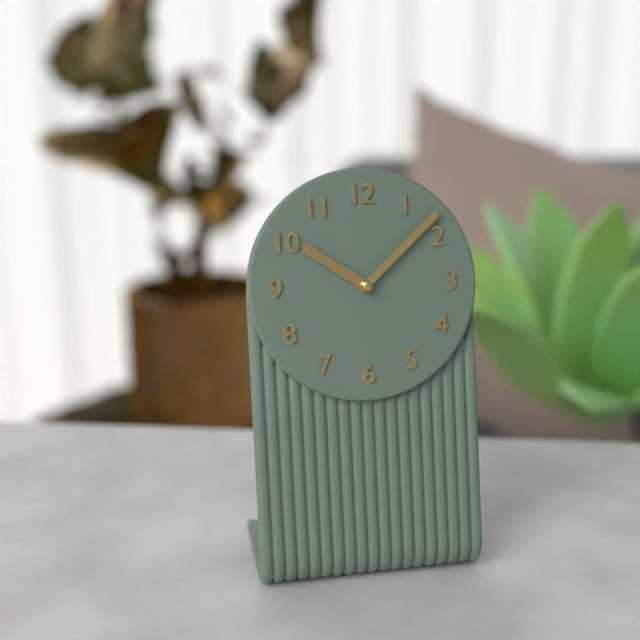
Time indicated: 10:08
